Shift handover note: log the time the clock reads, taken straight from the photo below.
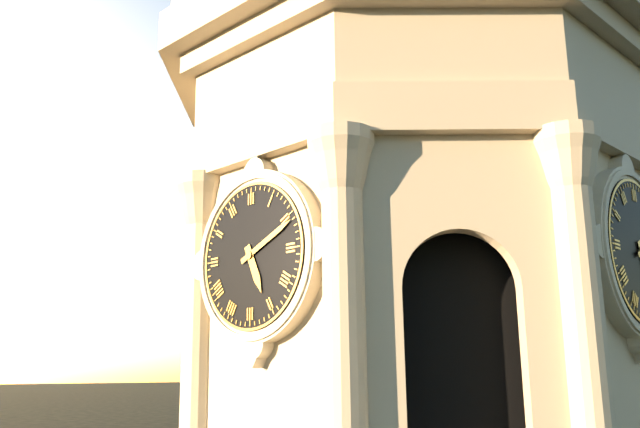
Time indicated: 5:11
